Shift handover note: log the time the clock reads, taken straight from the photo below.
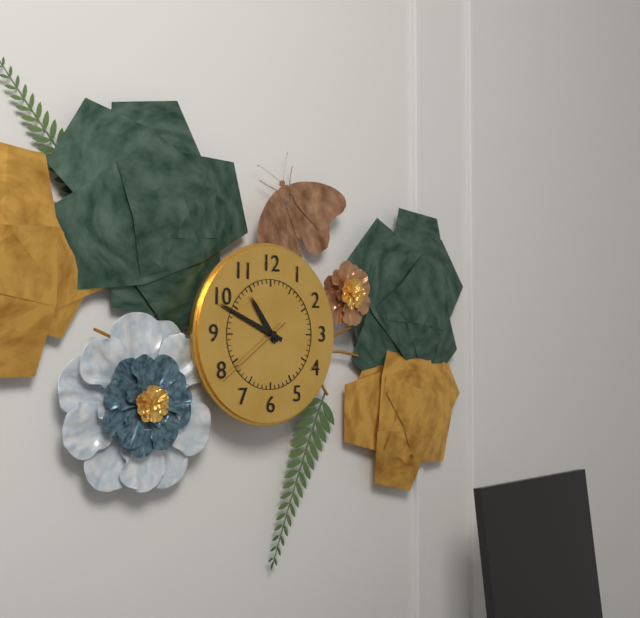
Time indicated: 10:49:39
